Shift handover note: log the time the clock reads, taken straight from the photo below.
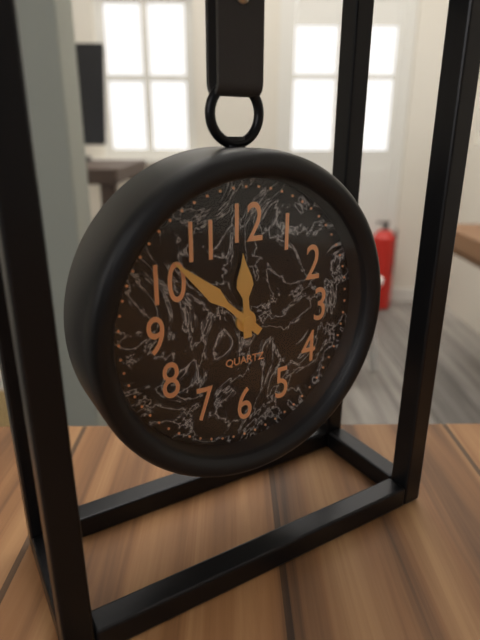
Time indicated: 11:52
